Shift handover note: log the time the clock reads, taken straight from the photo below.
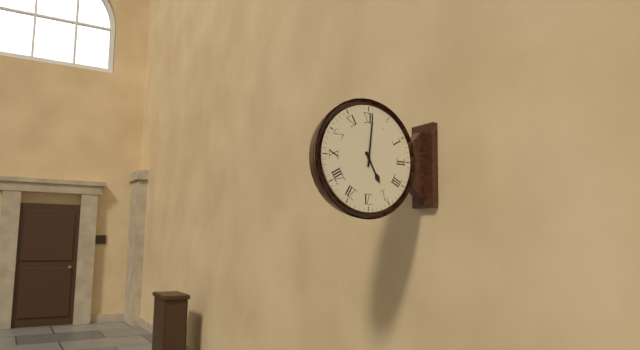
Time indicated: 5:01
